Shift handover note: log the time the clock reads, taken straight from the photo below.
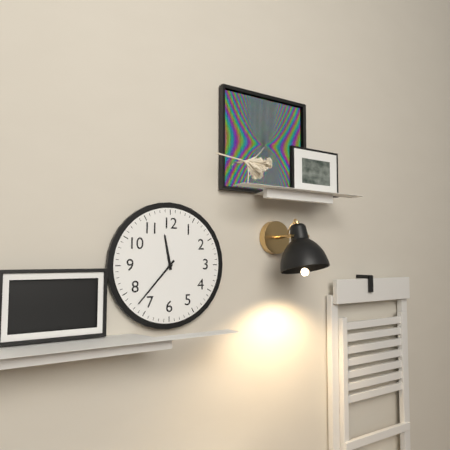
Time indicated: 11:37
